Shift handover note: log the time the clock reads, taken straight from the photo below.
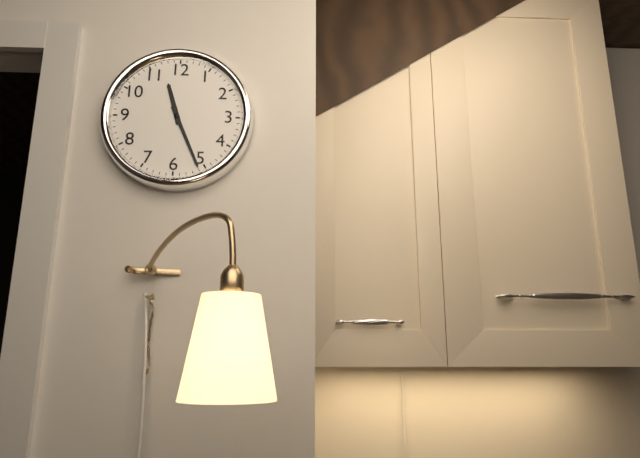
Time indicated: 11:26
